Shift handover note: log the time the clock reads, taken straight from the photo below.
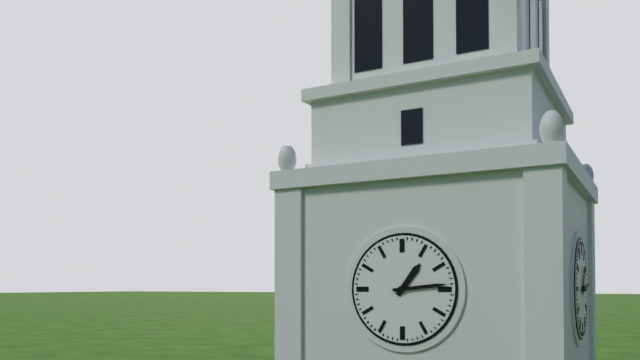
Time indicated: 1:14
